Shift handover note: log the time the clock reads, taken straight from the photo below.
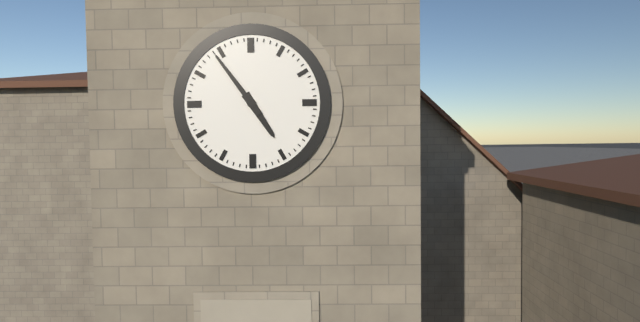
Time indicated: 4:54
